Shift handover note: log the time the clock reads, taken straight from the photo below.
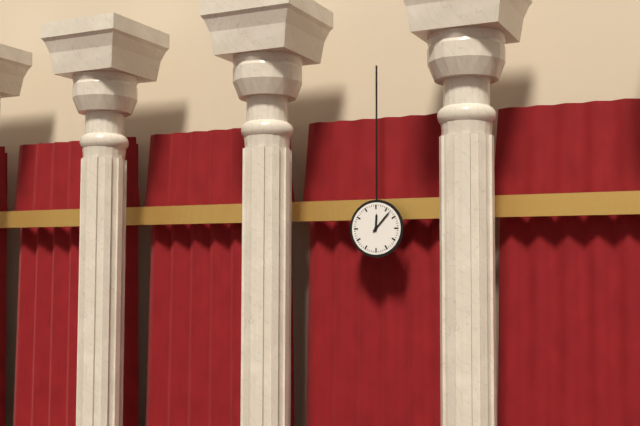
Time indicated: 12:07
